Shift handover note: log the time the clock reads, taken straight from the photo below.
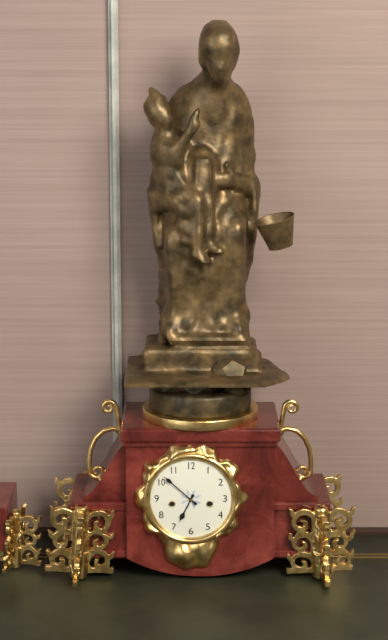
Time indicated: 6:52
